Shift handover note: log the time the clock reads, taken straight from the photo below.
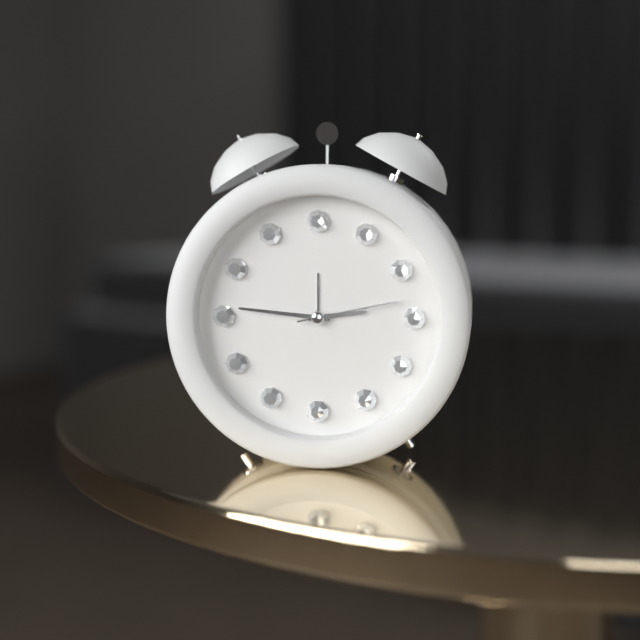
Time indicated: 2:46:13
